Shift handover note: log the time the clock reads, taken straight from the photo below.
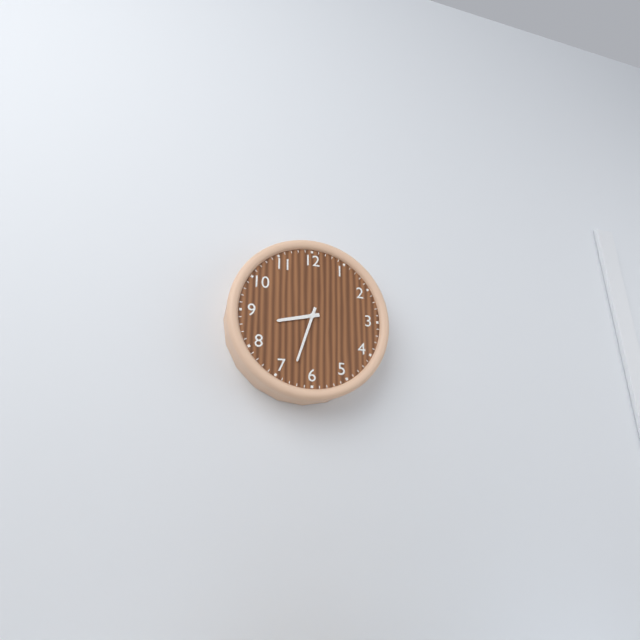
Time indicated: 8:33
